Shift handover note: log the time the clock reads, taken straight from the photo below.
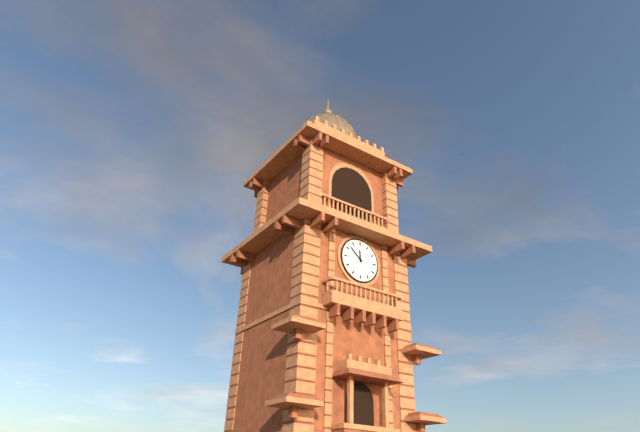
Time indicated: 11:52
